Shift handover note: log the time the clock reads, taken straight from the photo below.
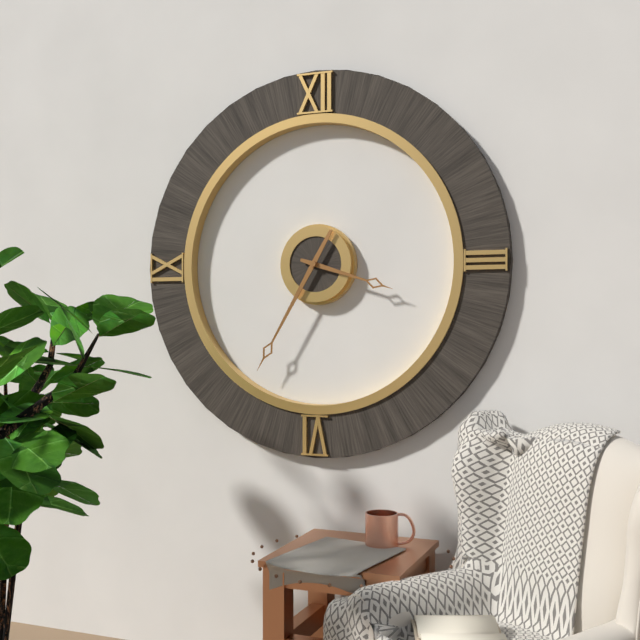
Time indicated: 3:35
